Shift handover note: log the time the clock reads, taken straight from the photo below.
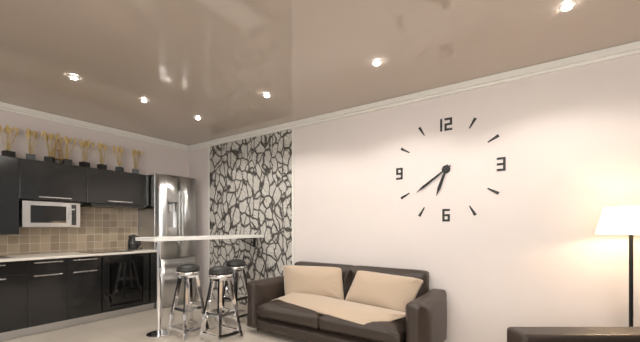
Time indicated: 6:39
